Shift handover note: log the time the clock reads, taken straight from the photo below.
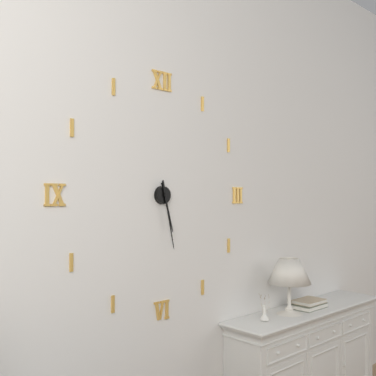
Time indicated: 5:28
